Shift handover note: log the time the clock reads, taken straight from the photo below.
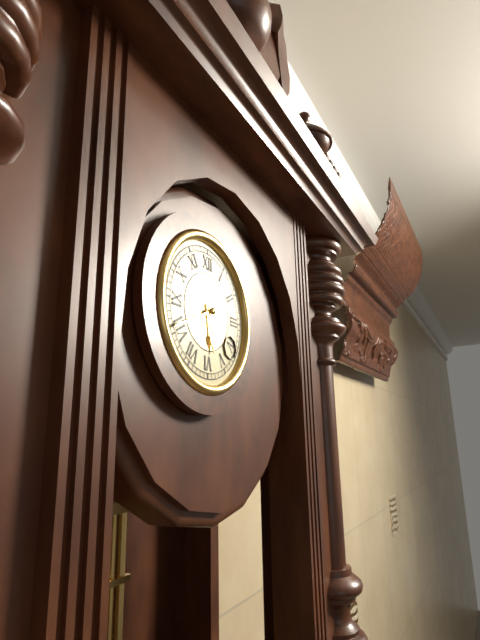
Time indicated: 5:41
